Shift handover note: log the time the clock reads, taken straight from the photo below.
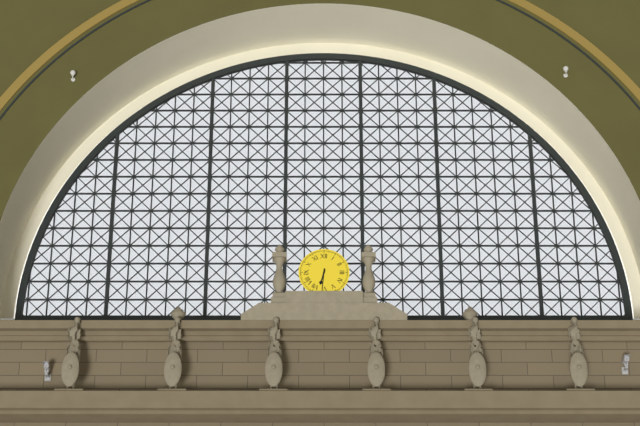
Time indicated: 6:31
